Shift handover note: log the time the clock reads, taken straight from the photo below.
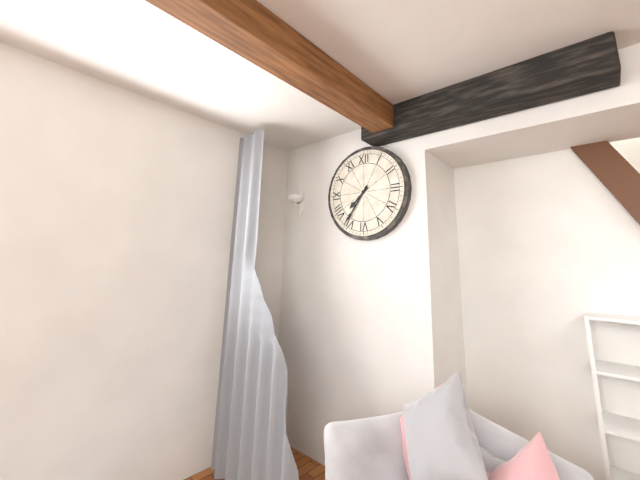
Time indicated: 7:36
